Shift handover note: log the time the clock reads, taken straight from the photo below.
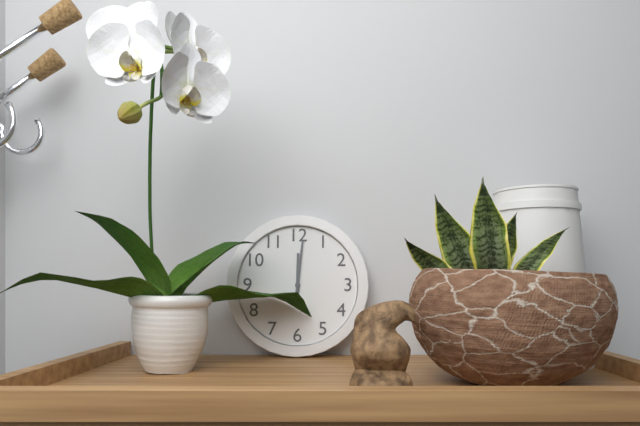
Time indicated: 12:01
